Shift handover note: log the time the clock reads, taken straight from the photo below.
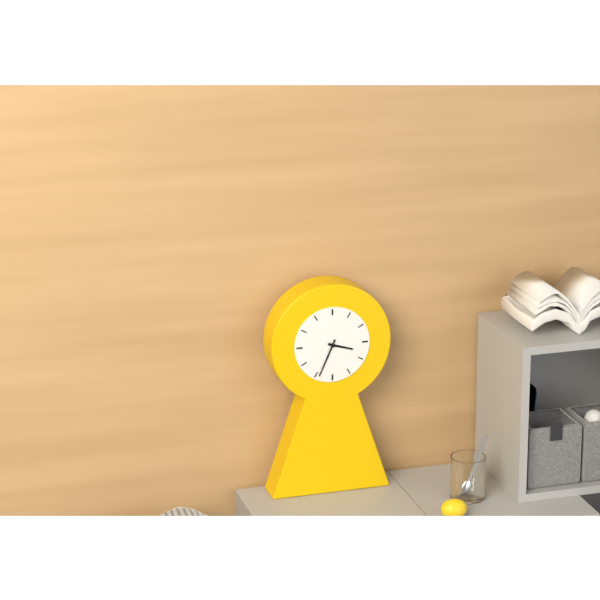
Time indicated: 3:34
